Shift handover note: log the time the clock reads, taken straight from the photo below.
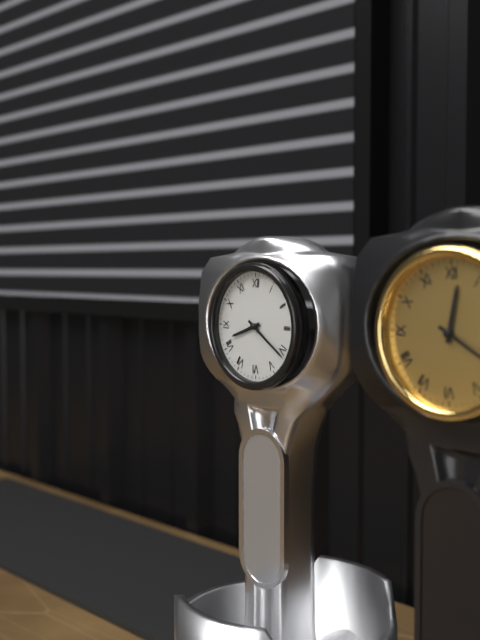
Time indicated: 8:21
